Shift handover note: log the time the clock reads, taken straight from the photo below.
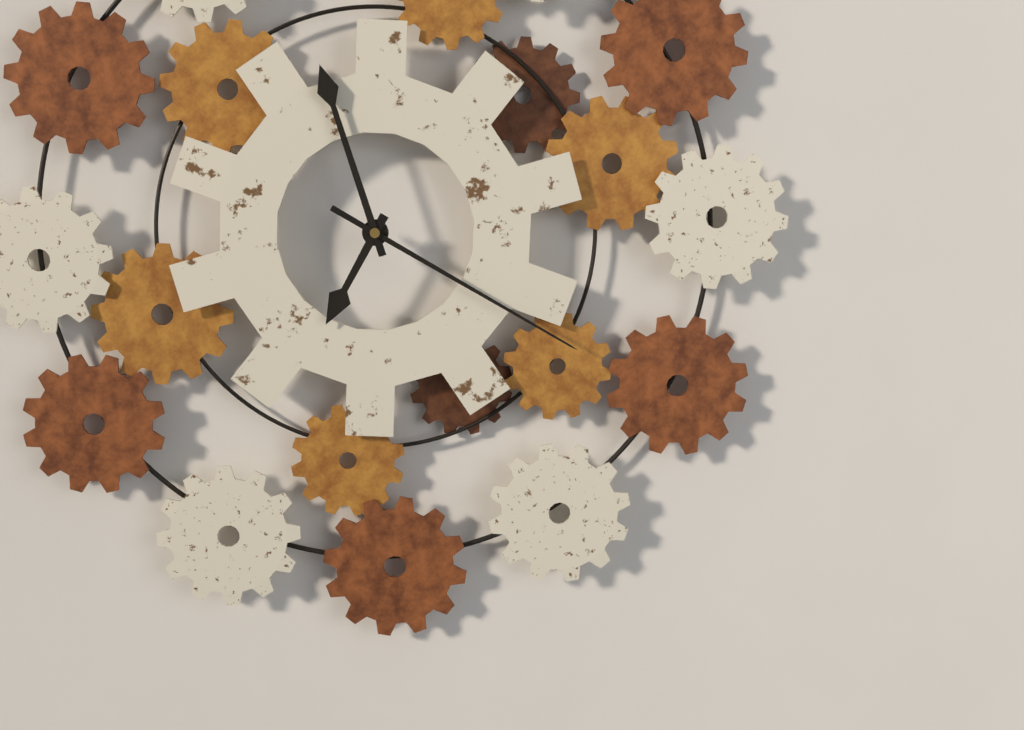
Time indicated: 6:57:20
